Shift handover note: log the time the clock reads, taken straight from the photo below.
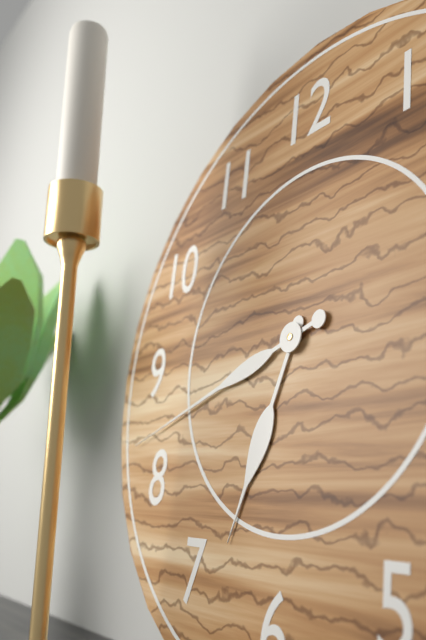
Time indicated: 6:42
